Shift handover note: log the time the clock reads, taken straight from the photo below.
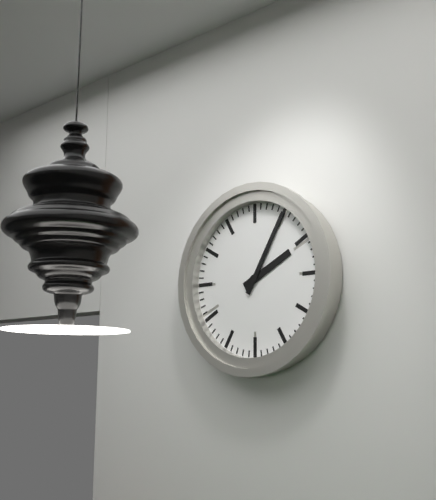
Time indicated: 2:05
